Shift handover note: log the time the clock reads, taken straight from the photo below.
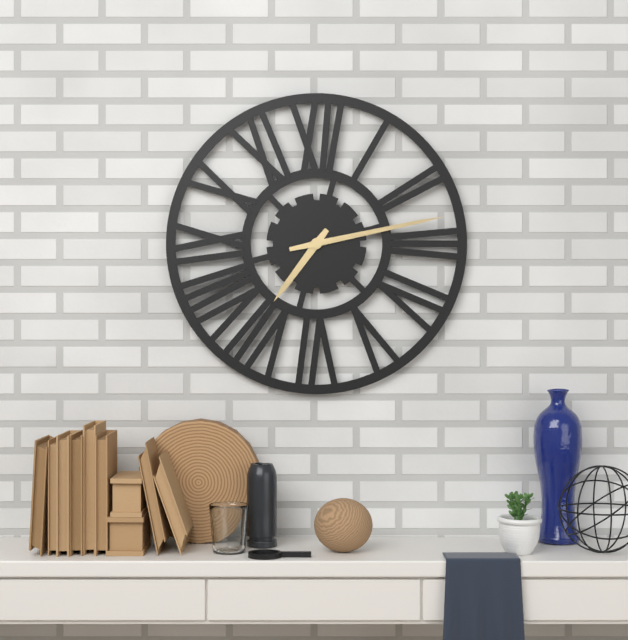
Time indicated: 7:13
